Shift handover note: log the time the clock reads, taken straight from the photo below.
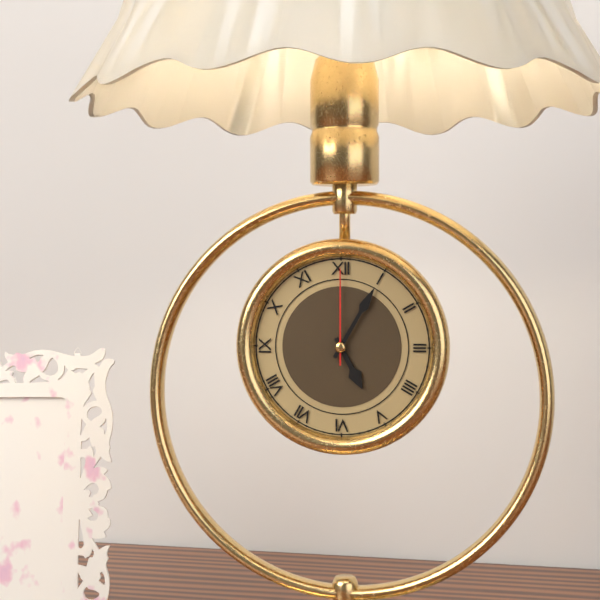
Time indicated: 5:05:00
